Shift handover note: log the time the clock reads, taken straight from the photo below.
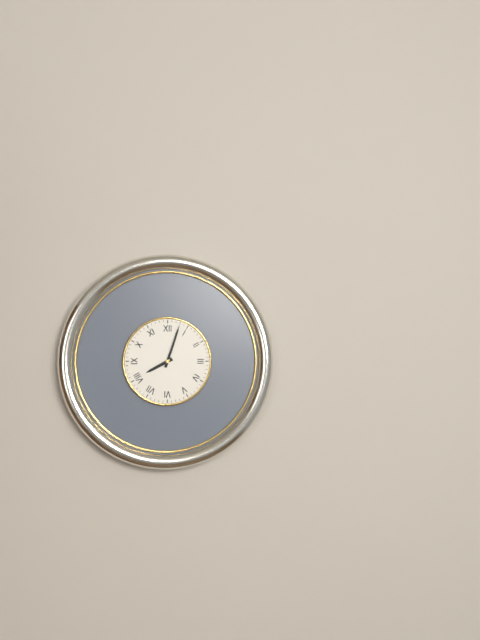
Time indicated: 8:03
